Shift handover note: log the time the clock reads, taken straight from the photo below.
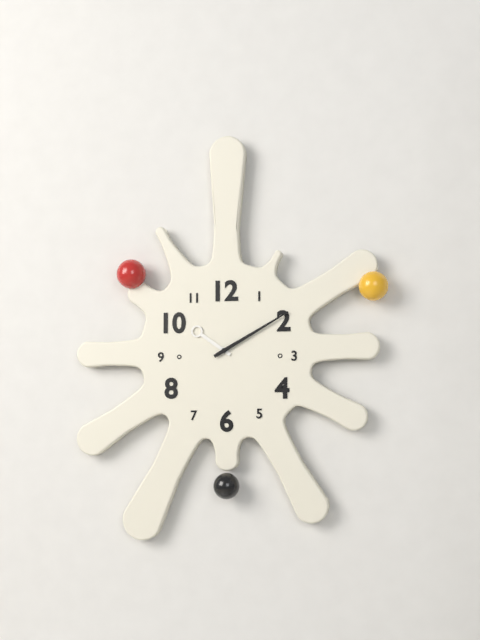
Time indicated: 10:10
